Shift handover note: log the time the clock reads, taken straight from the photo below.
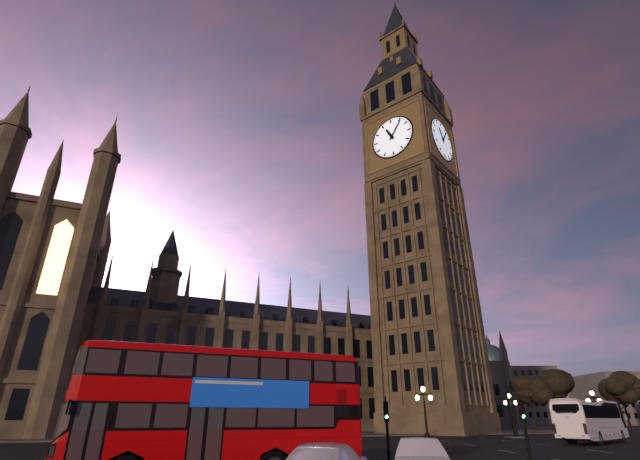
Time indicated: 11:06
